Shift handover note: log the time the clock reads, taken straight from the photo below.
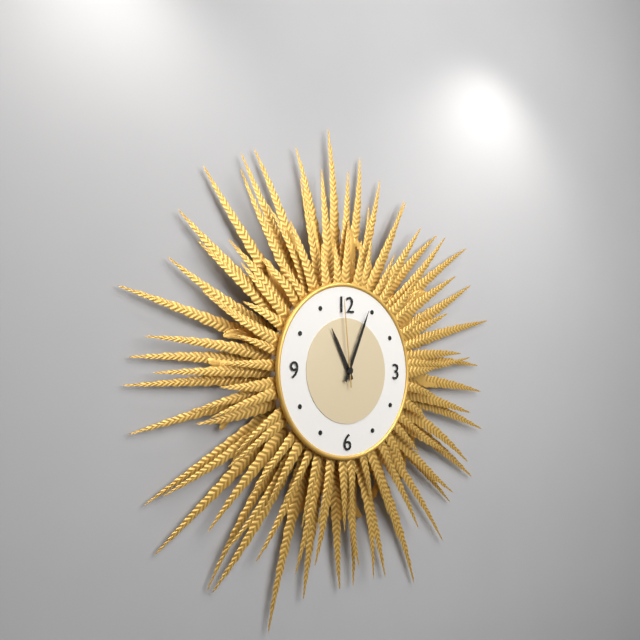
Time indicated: 11:04:59
